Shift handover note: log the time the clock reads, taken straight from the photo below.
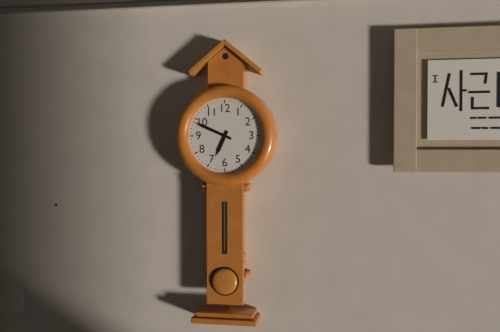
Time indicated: 6:49
